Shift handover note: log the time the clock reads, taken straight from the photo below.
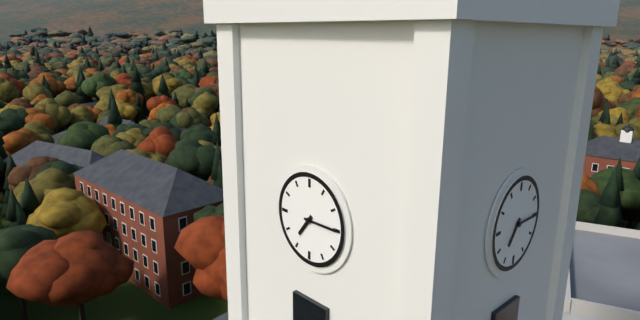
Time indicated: 7:15
